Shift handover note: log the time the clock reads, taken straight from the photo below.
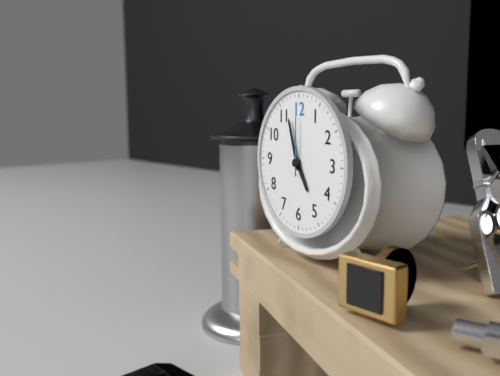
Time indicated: 4:57:00
